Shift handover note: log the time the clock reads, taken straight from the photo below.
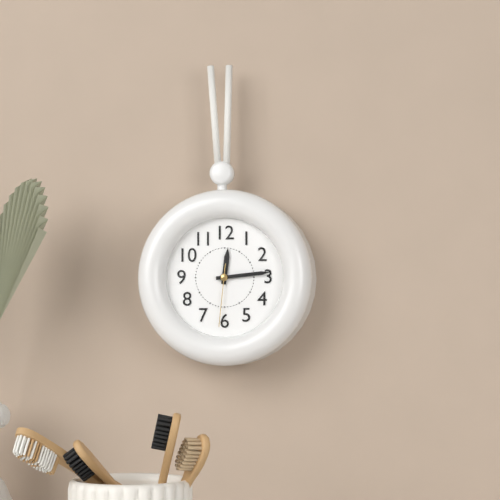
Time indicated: 12:14:31
